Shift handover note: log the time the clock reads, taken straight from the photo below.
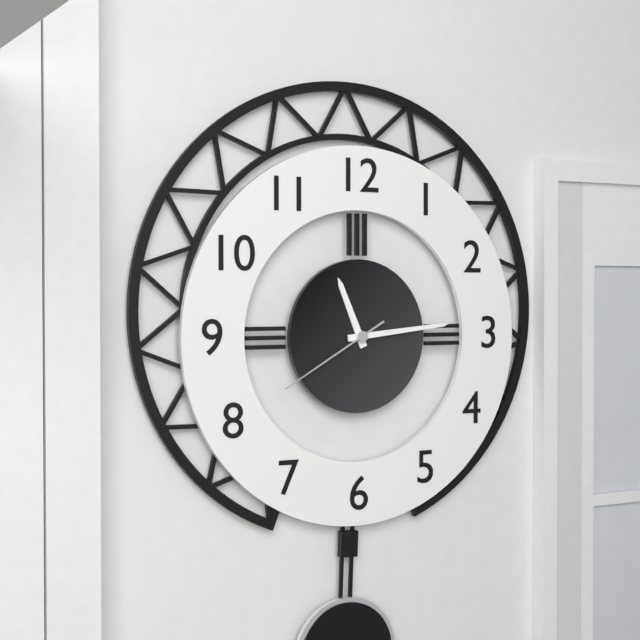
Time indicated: 11:14:40
